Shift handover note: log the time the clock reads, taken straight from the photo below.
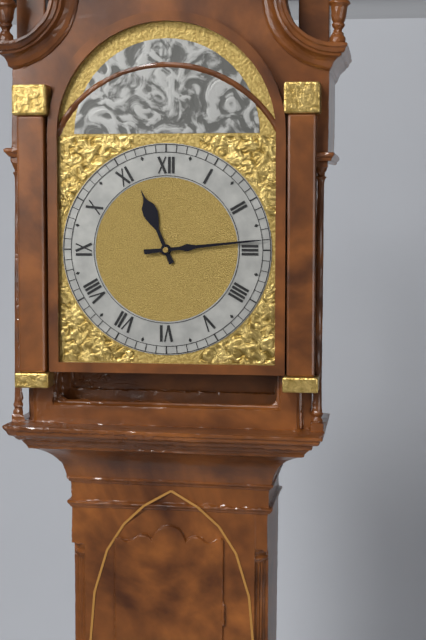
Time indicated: 11:14
